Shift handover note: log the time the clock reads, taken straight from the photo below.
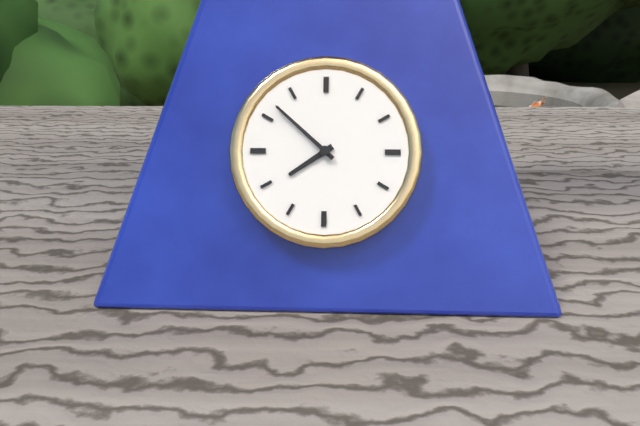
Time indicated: 7:52
